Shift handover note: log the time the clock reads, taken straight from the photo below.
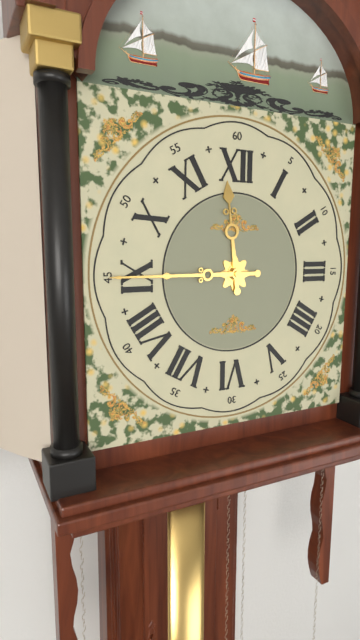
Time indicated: 11:45
